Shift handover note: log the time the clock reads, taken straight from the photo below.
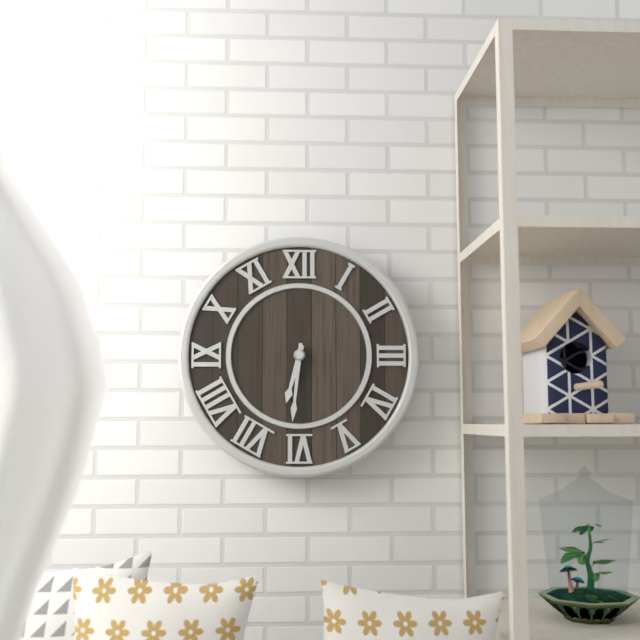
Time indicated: 6:31
